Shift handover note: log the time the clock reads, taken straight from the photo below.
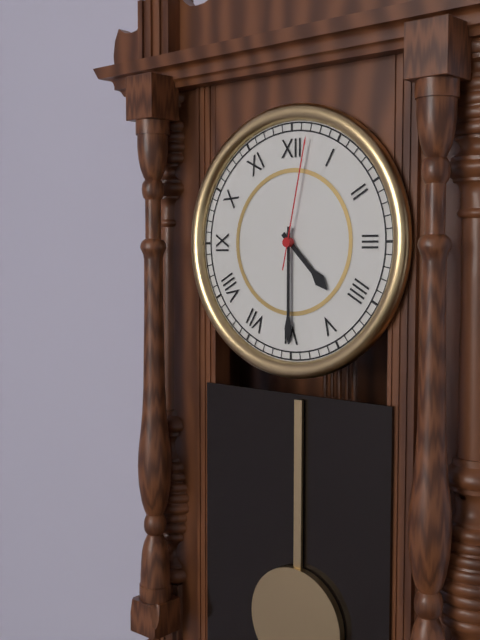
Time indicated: 4:30:02
